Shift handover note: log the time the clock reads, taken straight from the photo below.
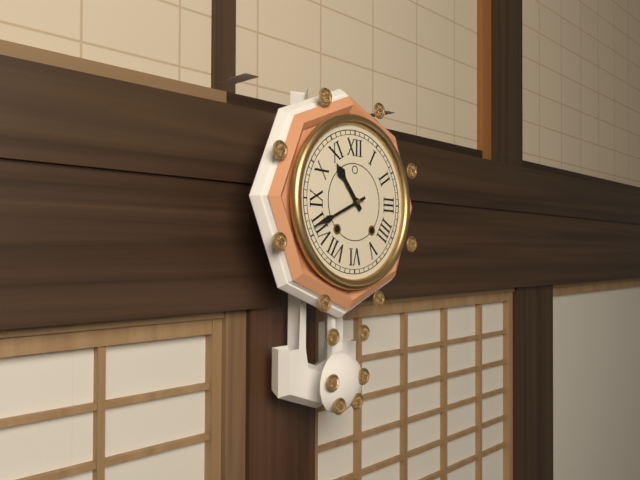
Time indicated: 10:41
